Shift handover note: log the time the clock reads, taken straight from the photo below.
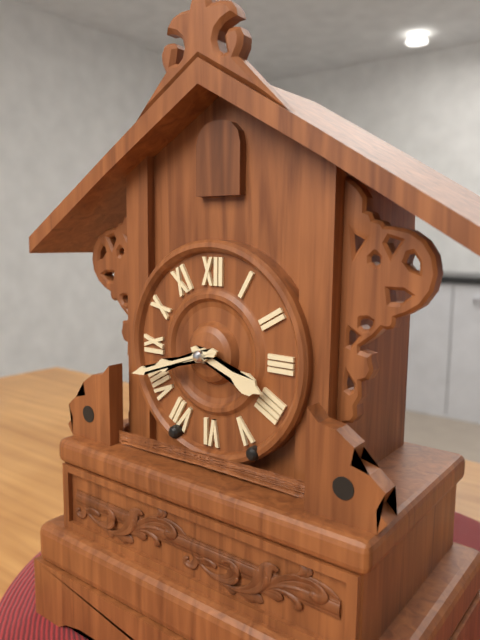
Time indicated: 3:42
